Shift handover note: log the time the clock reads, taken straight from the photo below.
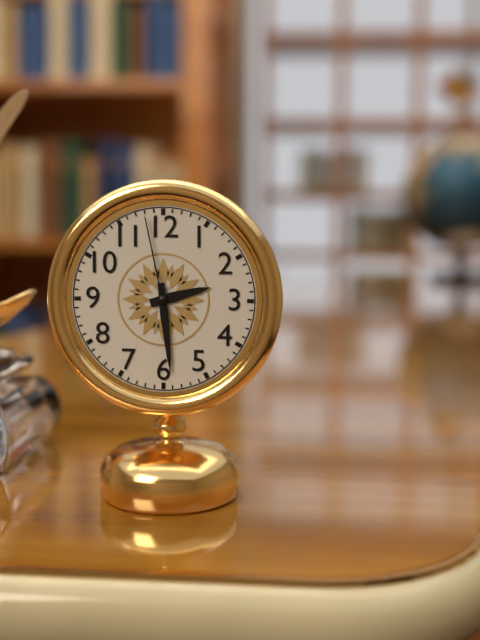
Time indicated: 2:29:58
